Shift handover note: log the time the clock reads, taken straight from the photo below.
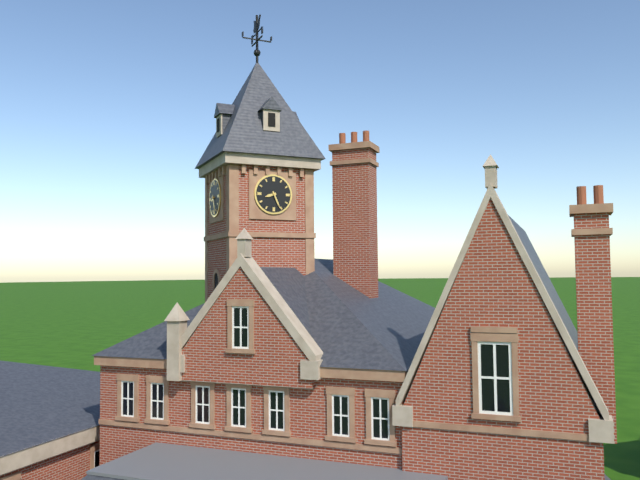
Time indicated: 8:26
